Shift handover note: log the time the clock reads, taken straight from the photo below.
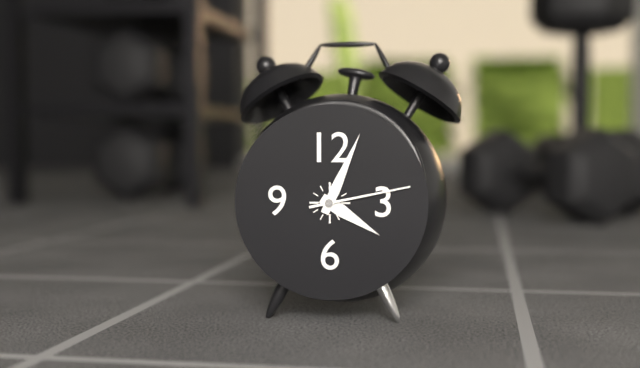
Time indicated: 4:04:13
